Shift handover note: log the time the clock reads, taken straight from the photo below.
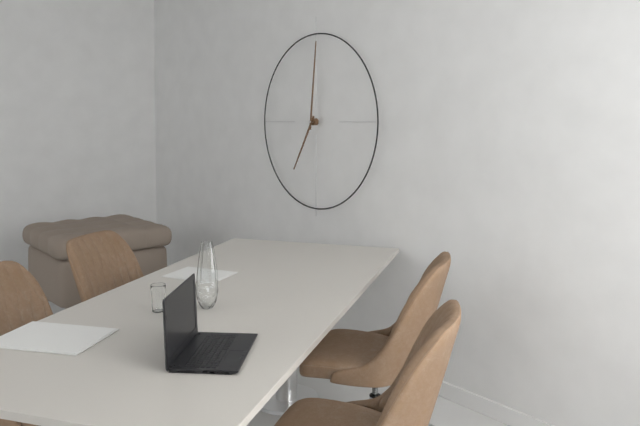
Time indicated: 7:01
